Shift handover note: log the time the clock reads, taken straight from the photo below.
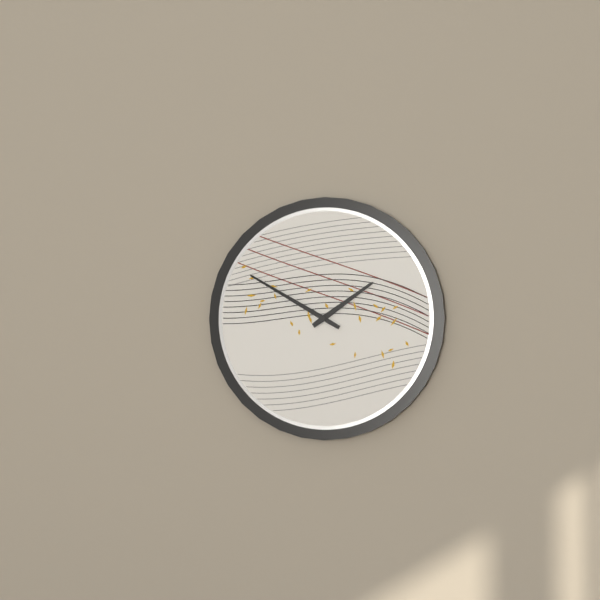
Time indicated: 1:50
